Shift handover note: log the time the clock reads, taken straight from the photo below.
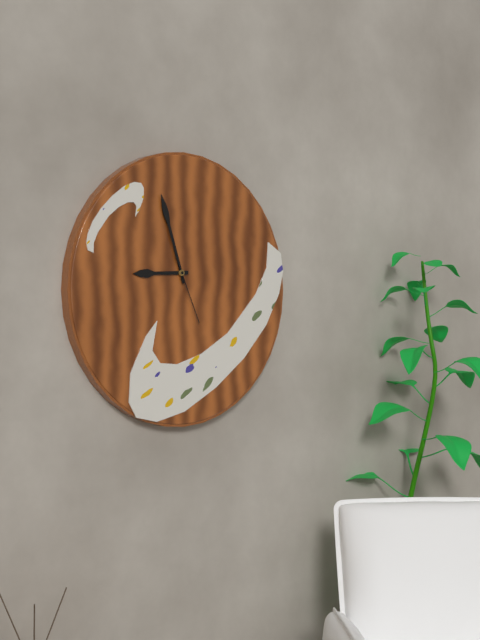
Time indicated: 8:57:26
